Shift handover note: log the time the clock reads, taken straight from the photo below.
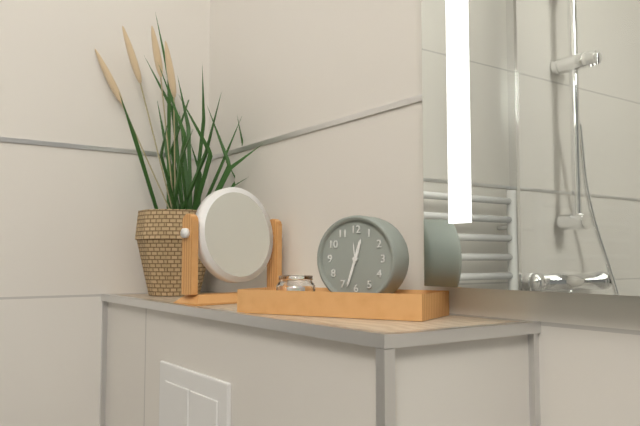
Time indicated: 12:33
